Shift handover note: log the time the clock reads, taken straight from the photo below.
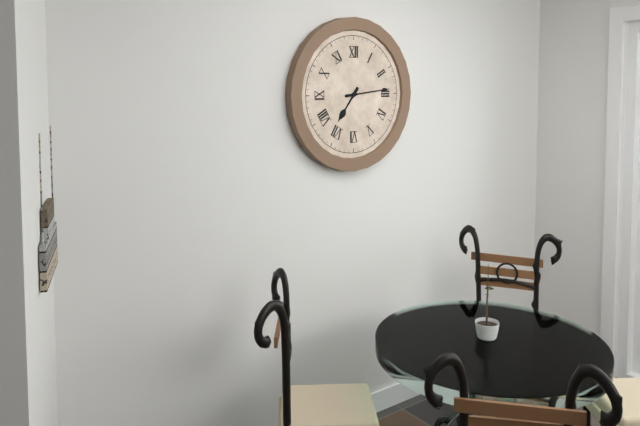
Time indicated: 7:14
